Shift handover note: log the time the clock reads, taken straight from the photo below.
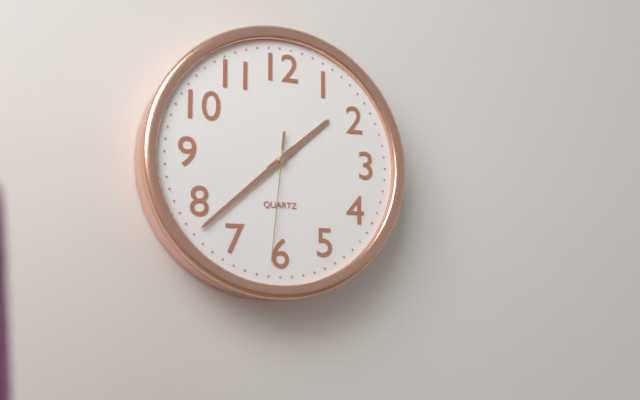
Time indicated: 1:38:31
